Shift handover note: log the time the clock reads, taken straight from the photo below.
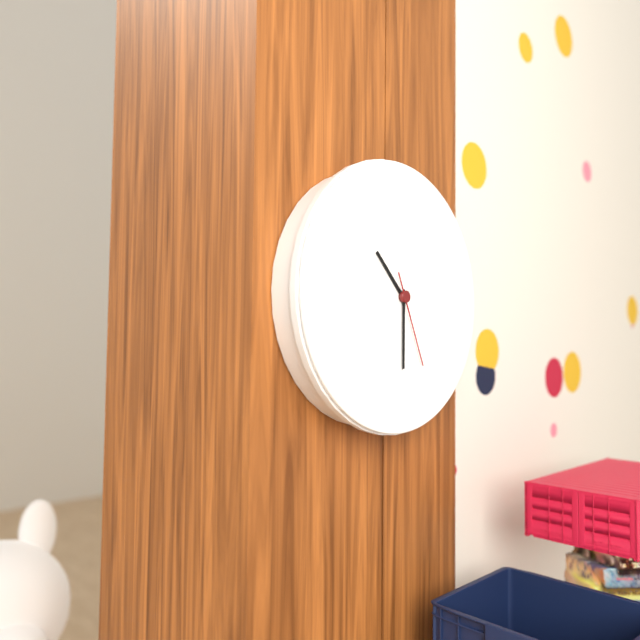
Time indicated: 10:30:26
